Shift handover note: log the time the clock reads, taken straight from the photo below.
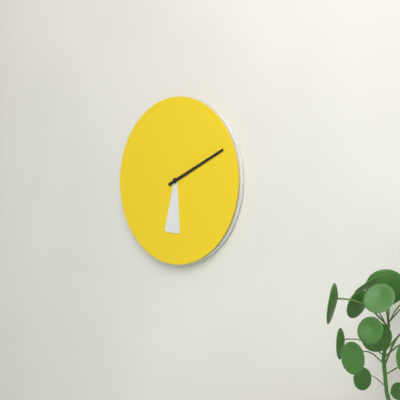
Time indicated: 6:11
